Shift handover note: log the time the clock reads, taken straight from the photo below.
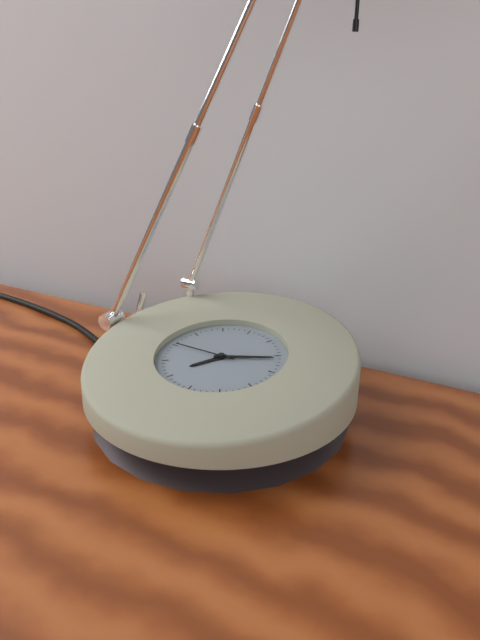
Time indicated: 7:11:45
